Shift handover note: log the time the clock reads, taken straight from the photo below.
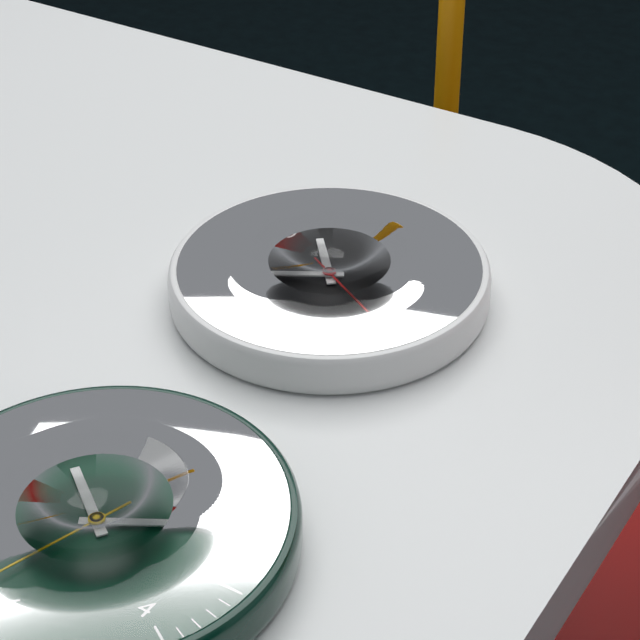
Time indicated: 10:40:20
